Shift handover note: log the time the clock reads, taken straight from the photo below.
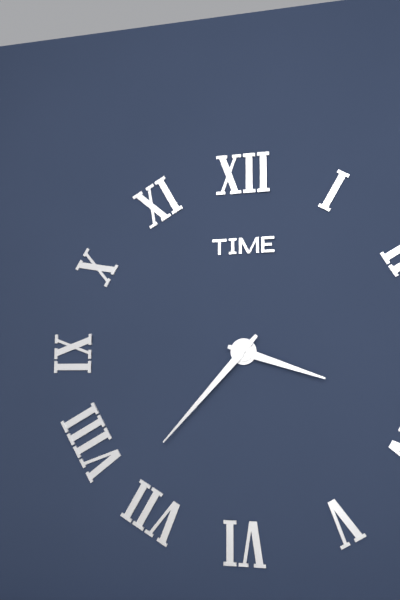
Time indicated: 3:37
